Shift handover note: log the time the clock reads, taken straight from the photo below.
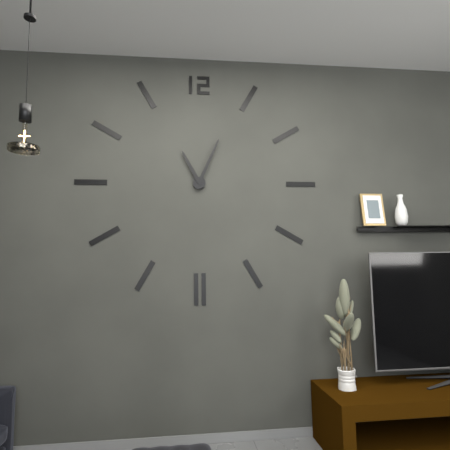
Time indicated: 11:04
